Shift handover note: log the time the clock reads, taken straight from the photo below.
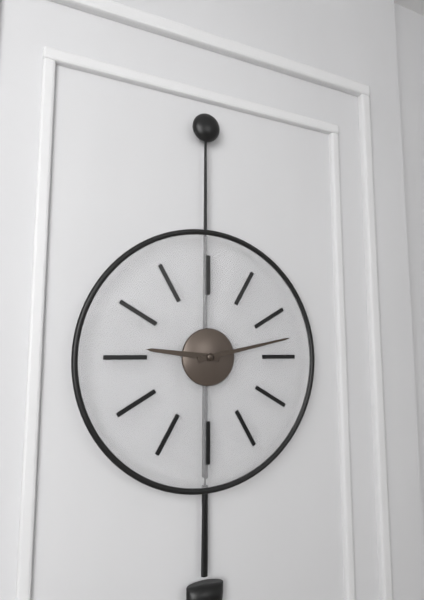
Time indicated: 9:13
